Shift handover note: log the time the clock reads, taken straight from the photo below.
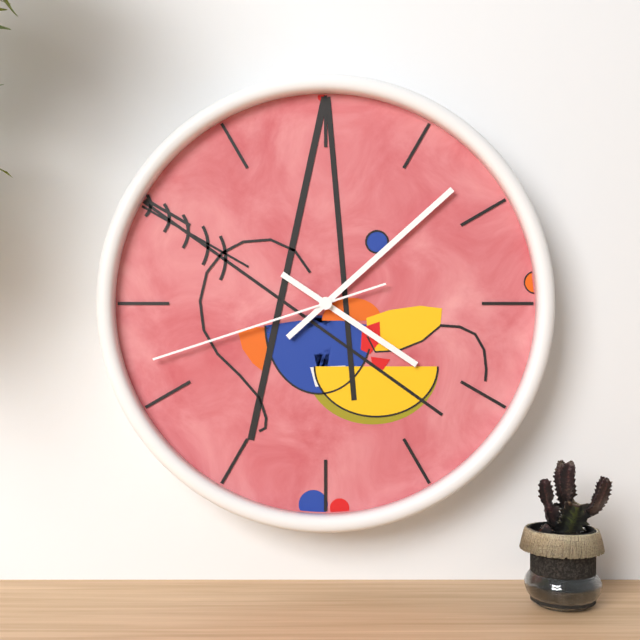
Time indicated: 4:08:42
